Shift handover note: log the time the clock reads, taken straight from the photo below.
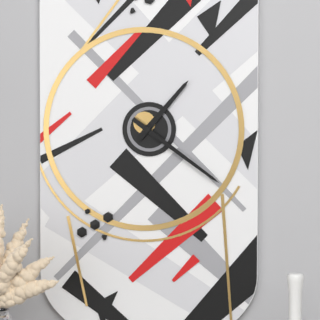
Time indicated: 1:21
